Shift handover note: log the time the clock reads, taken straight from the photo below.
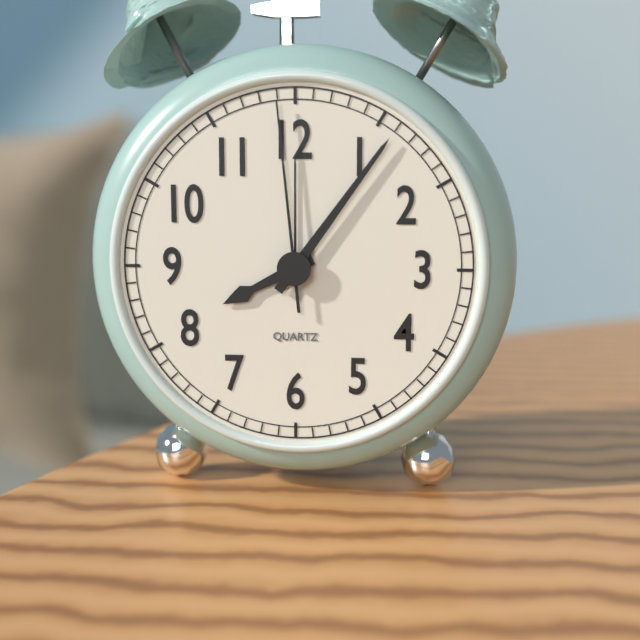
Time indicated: 8:06:59
